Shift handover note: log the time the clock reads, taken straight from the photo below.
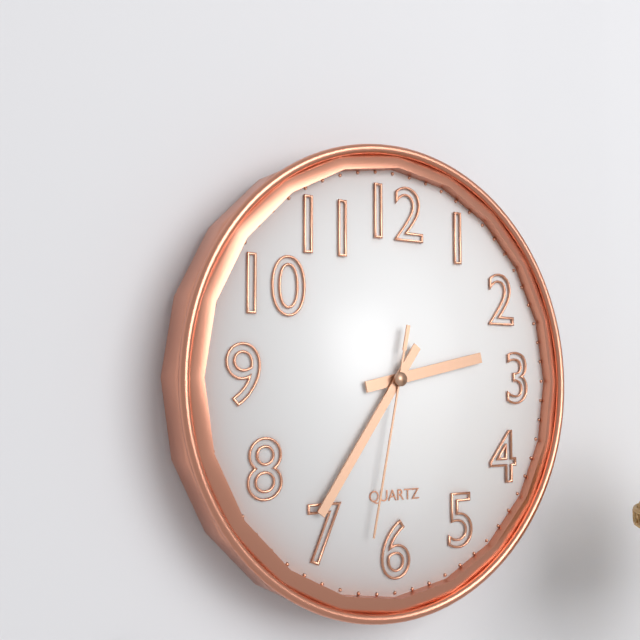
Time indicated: 2:36:32
